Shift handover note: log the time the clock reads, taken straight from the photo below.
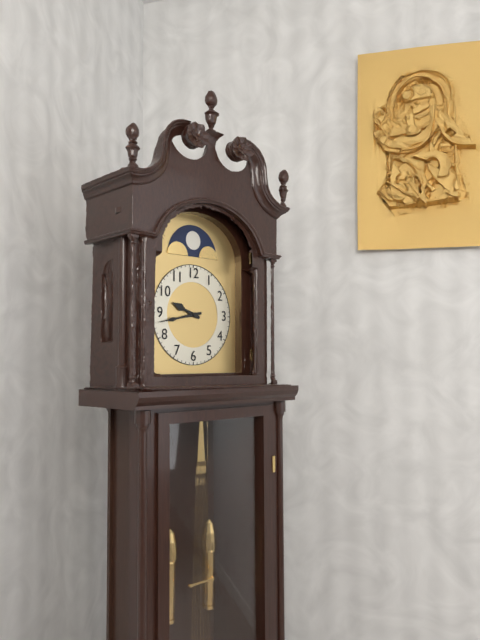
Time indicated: 9:43
